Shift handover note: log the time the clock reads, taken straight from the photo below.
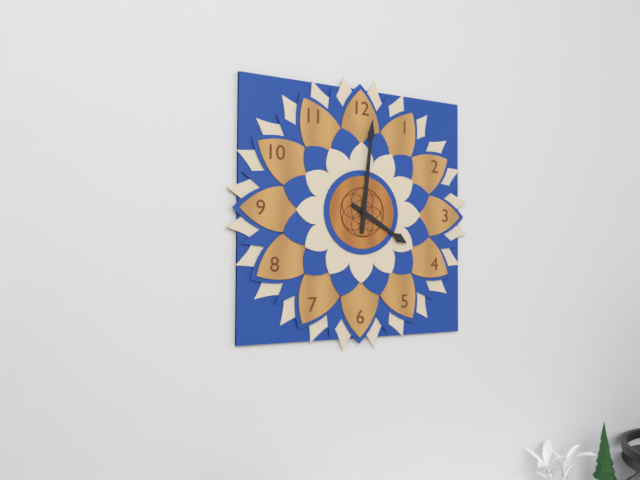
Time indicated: 4:01
